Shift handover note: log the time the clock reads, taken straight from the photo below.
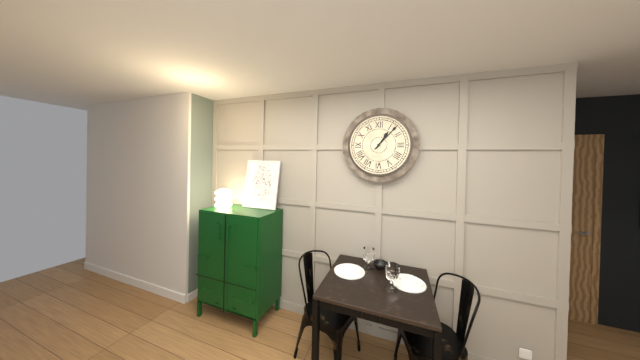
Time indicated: 1:07
